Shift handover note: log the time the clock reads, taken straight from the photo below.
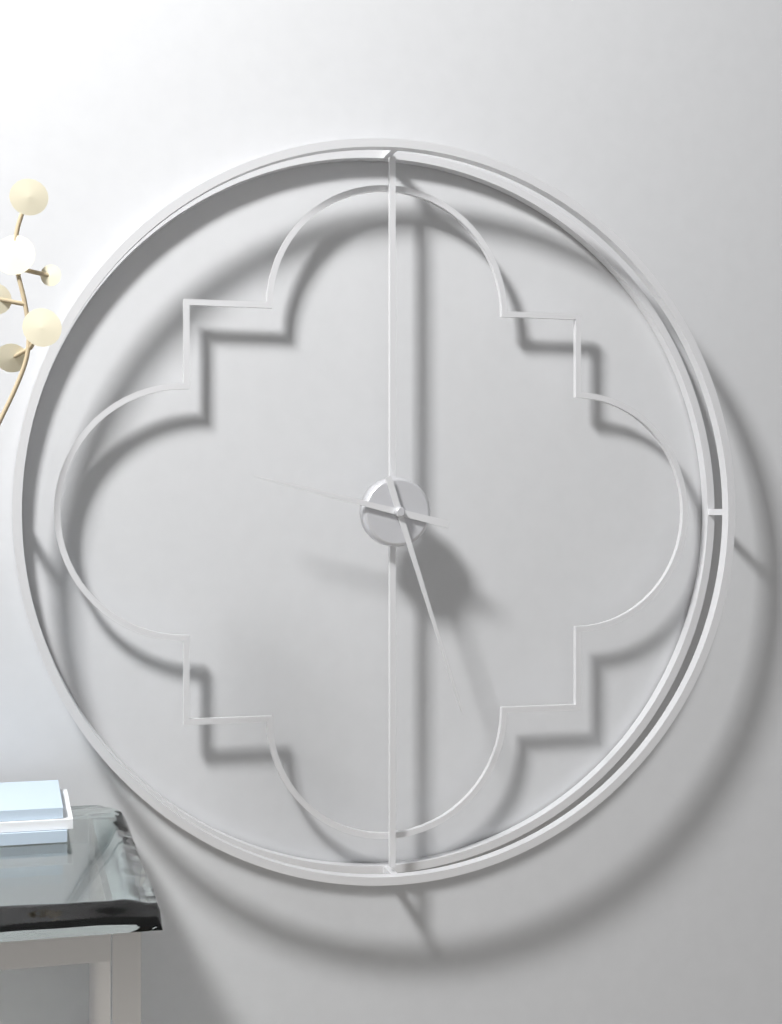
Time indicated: 9:27
